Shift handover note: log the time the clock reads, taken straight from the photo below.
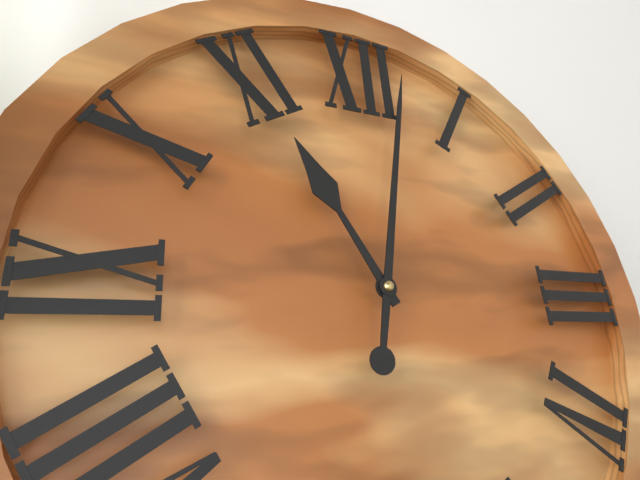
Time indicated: 11:02
